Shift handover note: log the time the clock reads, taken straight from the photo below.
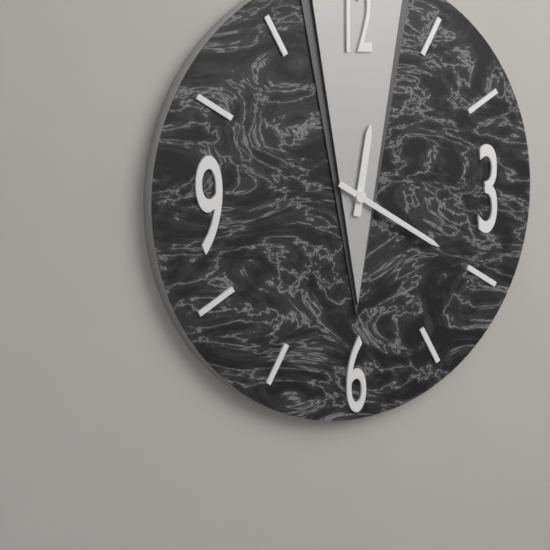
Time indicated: 12:20
